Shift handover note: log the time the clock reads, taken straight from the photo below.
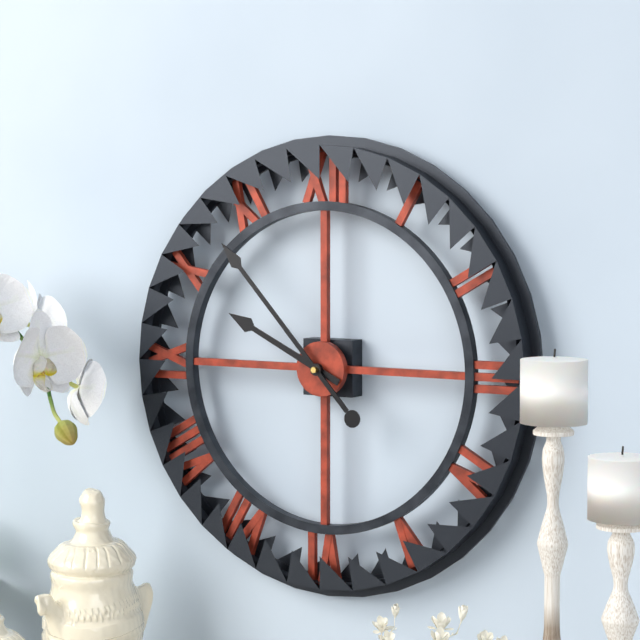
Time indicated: 9:53
